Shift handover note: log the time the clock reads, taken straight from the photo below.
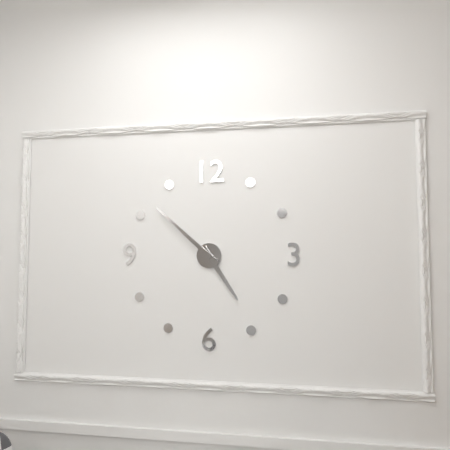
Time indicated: 4:52
